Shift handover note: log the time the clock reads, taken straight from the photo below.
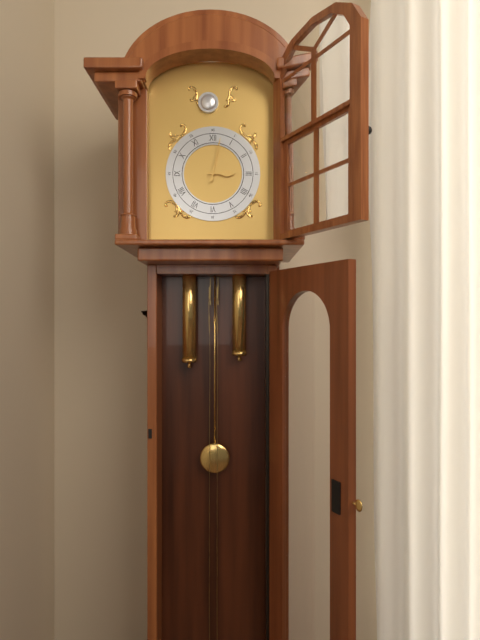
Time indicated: 3:02
